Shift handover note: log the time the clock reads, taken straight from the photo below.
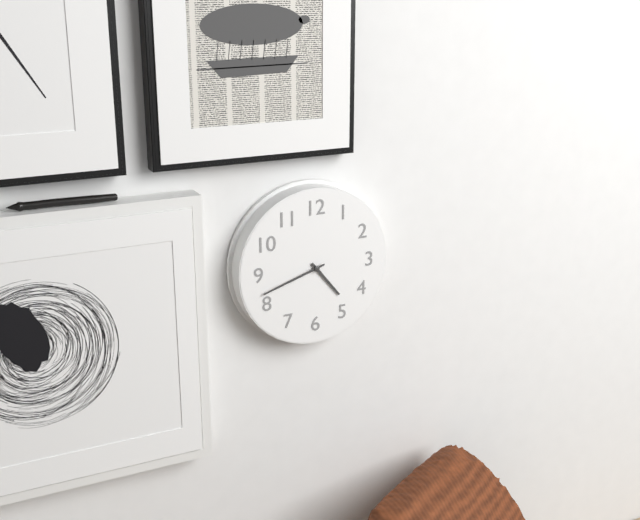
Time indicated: 4:42
